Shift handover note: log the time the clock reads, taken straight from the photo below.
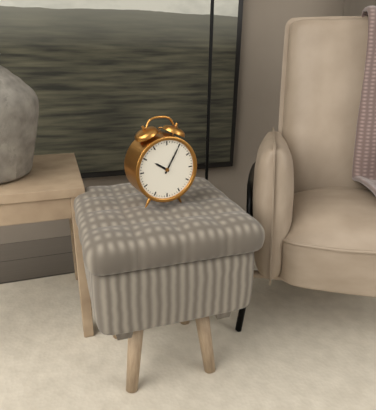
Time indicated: 10:05
